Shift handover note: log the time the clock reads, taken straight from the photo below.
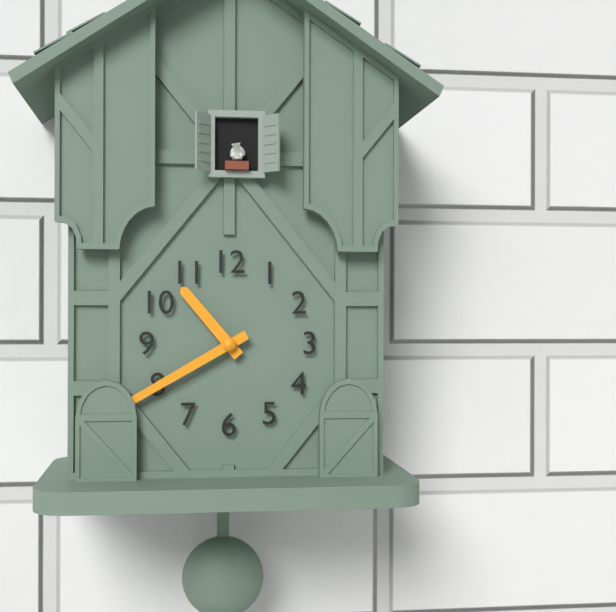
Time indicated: 10:40
